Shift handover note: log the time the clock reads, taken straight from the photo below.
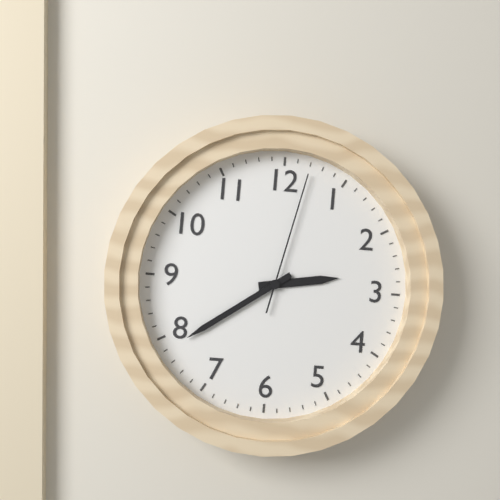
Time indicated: 2:39:02
